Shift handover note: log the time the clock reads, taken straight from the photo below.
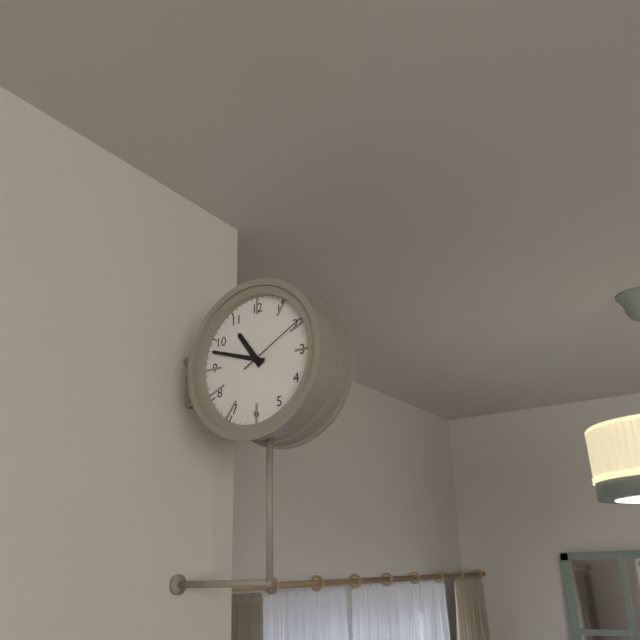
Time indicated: 10:48:10
